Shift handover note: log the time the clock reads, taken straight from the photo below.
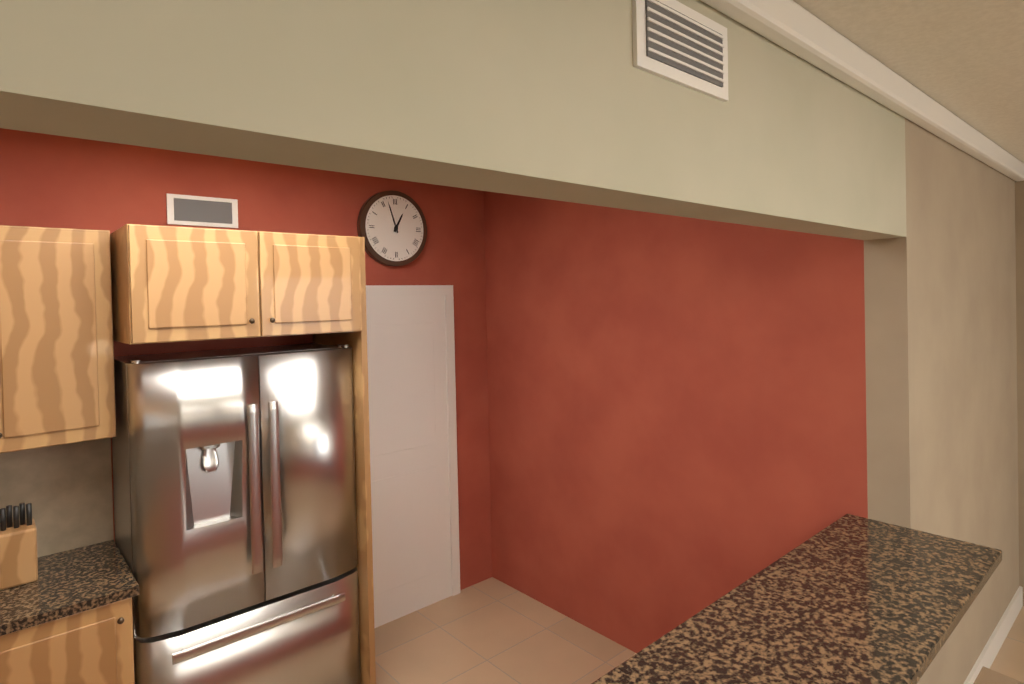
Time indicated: 12:57
